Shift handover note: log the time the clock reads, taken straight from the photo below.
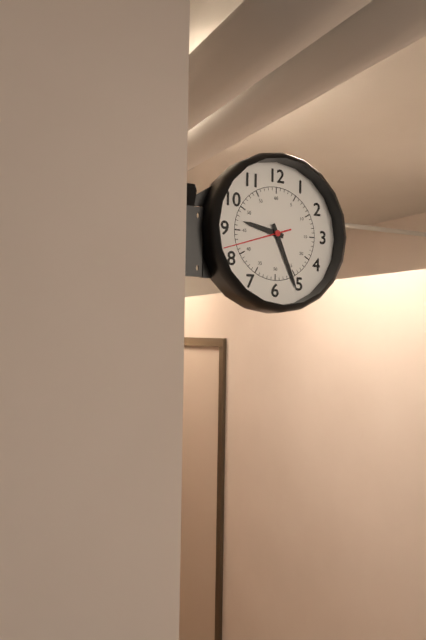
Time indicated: 9:26:42
